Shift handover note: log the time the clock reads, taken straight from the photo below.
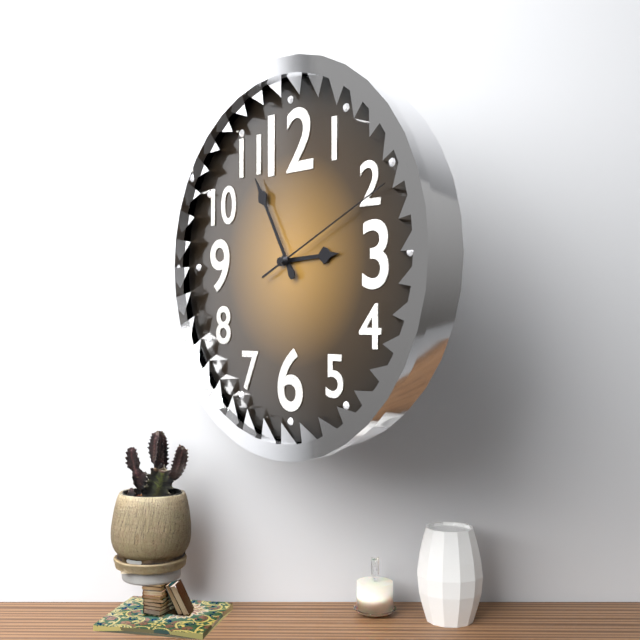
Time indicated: 2:55:11
